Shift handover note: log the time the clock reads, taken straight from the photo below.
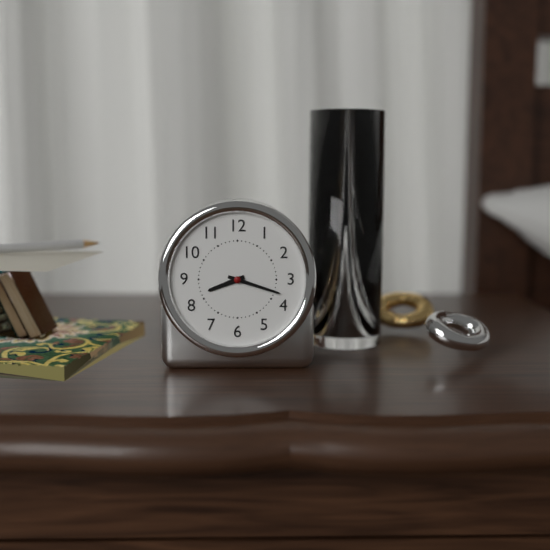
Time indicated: 8:18
